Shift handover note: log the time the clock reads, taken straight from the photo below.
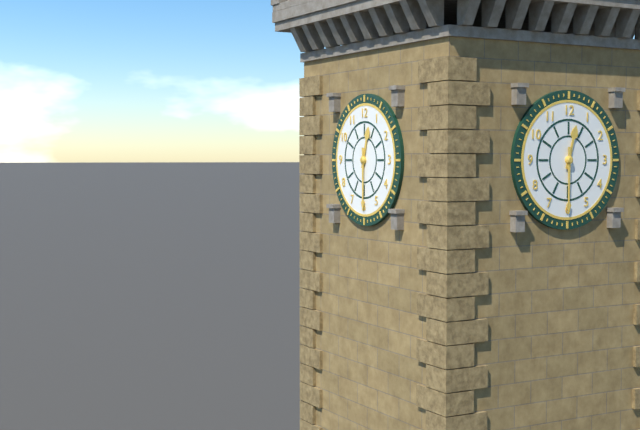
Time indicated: 12:30
